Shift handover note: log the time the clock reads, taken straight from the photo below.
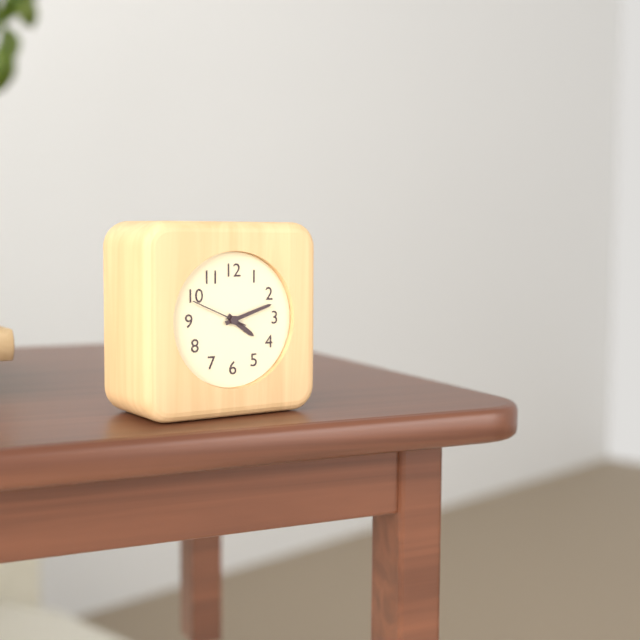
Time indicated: 4:12:49
